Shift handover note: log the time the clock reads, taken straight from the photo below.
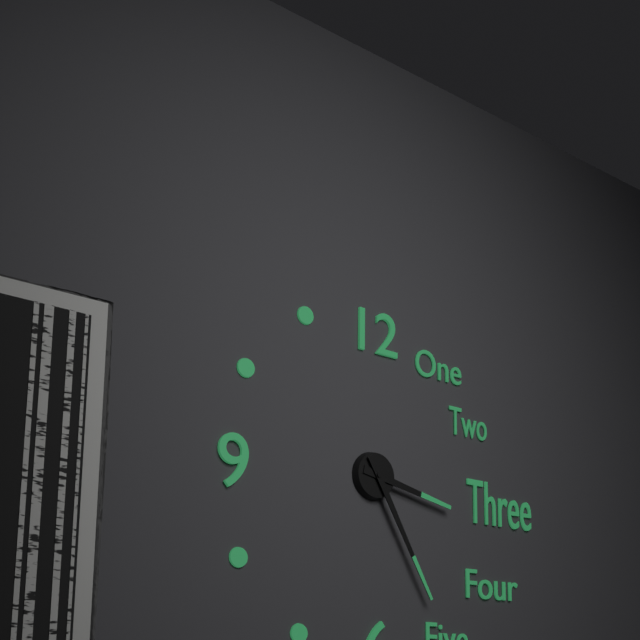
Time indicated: 3:25
